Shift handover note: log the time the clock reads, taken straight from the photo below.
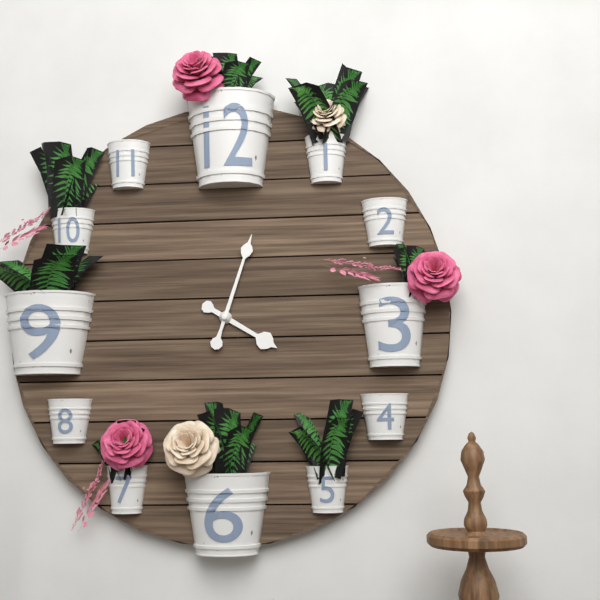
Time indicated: 4:03
